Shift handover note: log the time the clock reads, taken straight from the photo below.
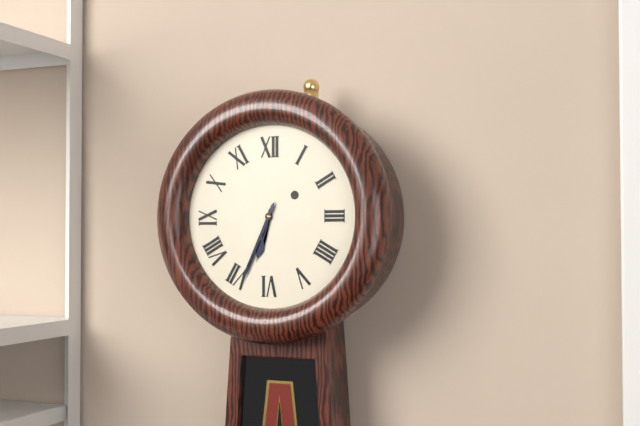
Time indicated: 6:34
